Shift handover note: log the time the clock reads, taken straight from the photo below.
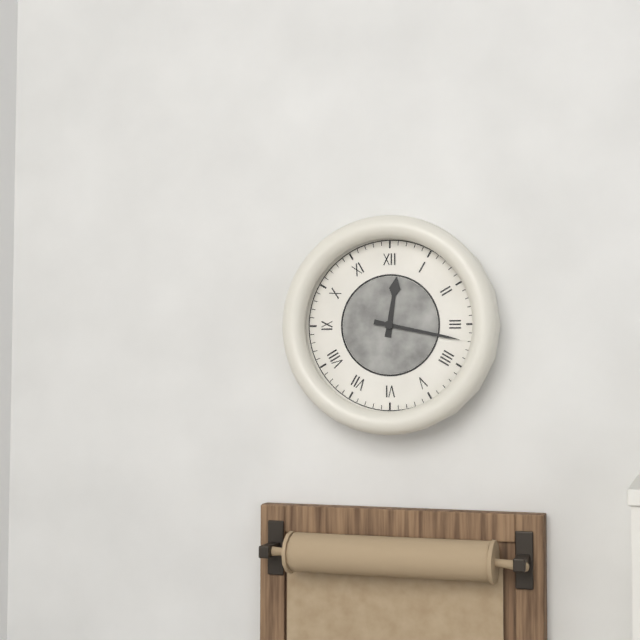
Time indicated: 12:17
